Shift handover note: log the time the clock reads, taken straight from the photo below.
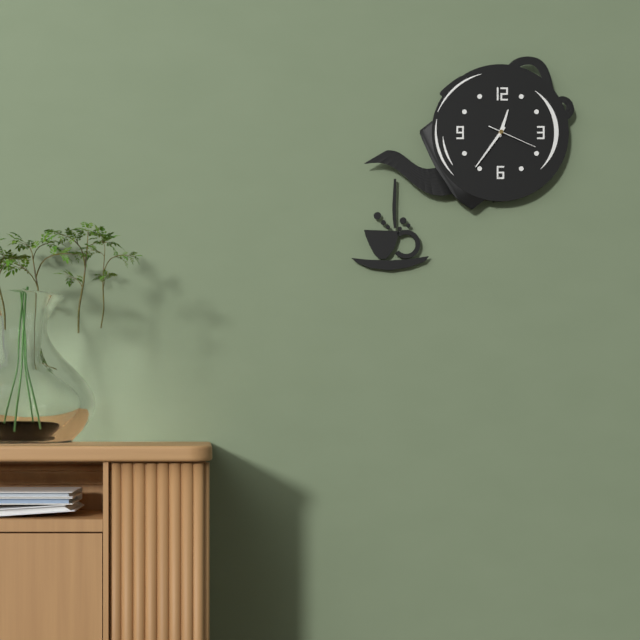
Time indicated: 12:36
